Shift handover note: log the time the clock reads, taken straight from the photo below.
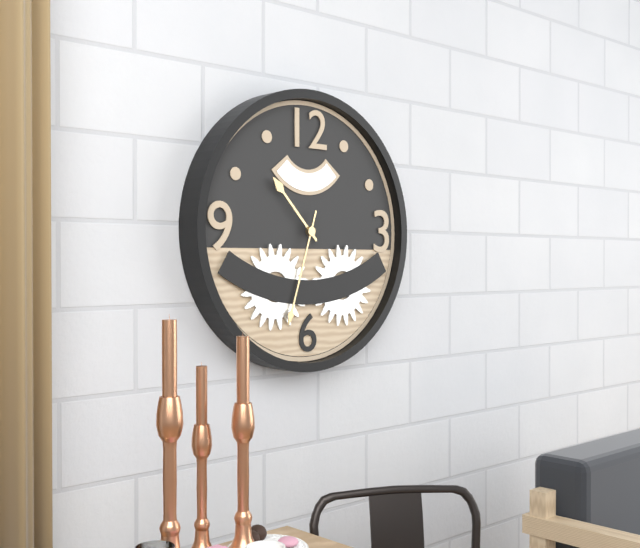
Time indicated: 10:33
